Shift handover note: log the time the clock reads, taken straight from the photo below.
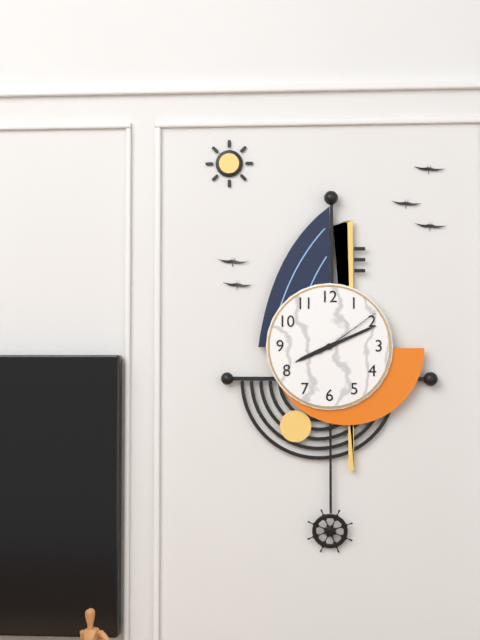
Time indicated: 8:11:09
